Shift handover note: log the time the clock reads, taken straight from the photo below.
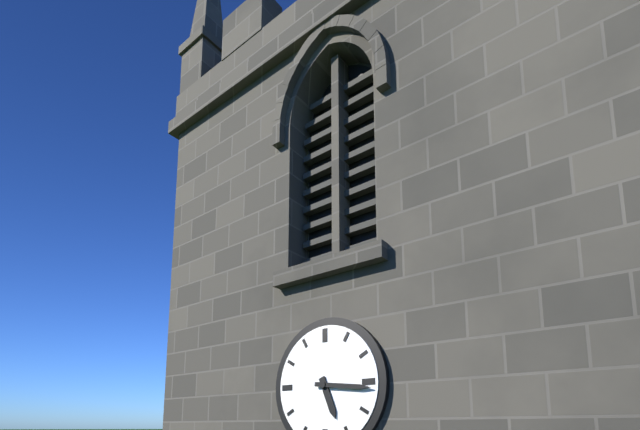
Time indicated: 5:16
